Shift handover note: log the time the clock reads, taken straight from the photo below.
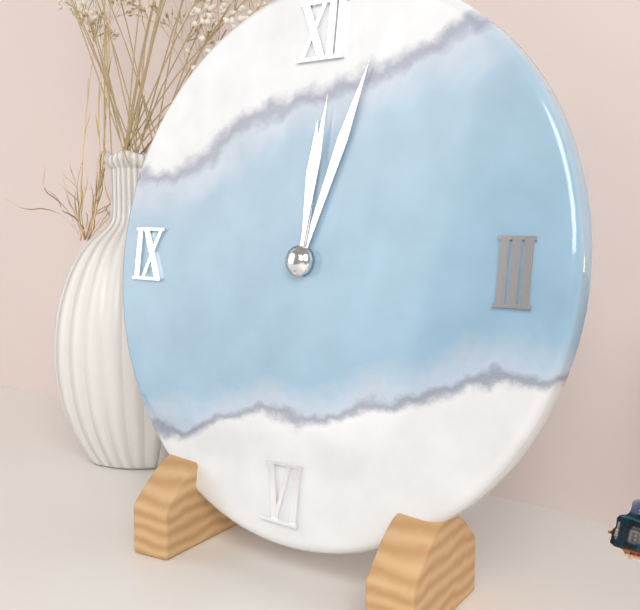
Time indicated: 12:03:01
